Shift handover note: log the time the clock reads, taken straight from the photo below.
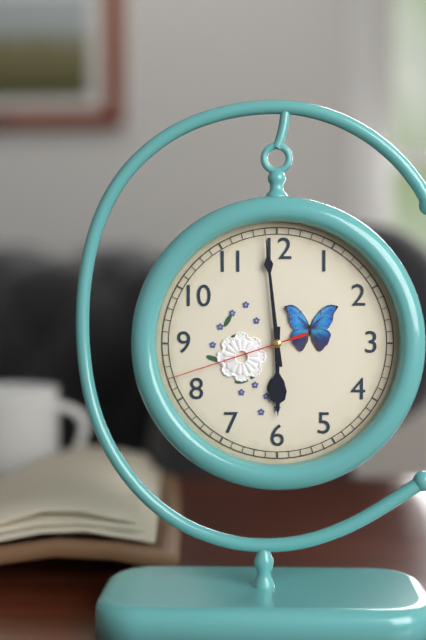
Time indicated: 5:59:42
